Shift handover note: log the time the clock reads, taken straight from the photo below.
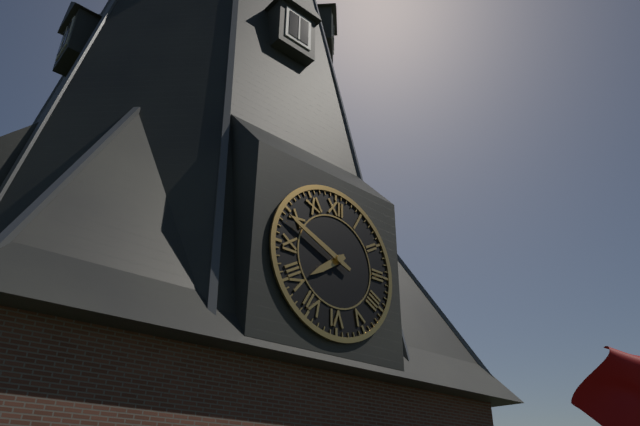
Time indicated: 7:49
